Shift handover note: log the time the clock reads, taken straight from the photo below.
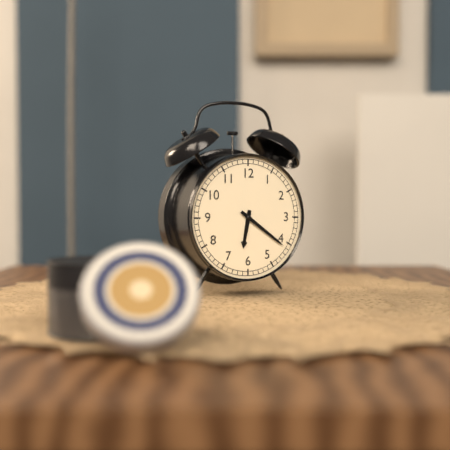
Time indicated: 6:21
